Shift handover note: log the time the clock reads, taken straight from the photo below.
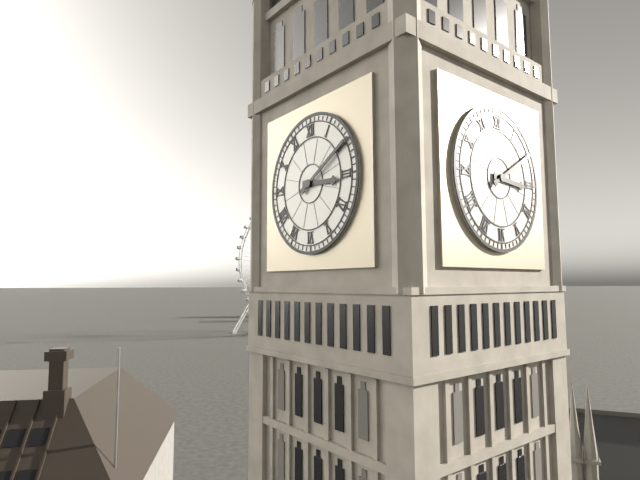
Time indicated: 3:10
